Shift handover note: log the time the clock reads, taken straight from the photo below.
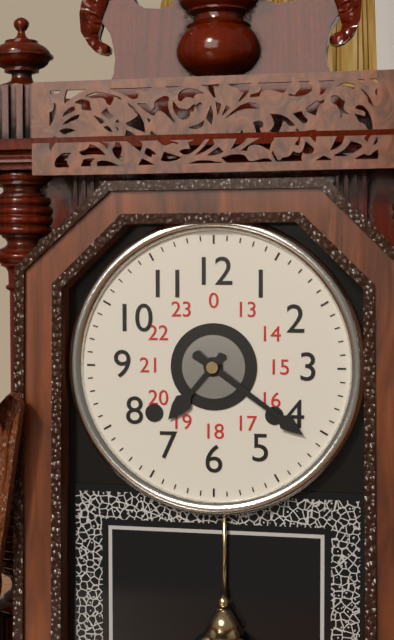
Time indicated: 7:21
